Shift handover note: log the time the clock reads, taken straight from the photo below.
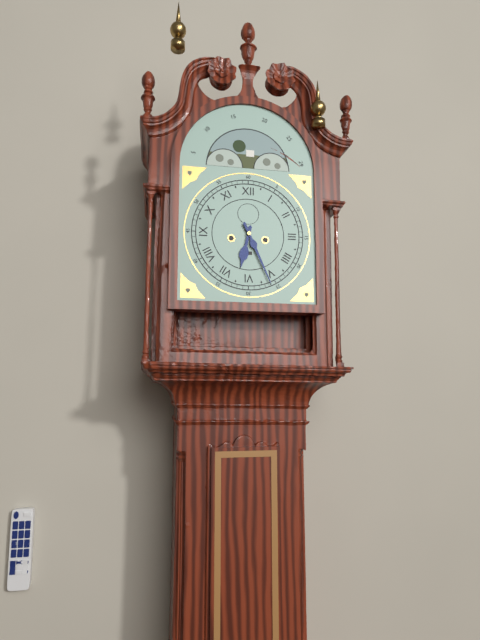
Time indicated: 6:26
